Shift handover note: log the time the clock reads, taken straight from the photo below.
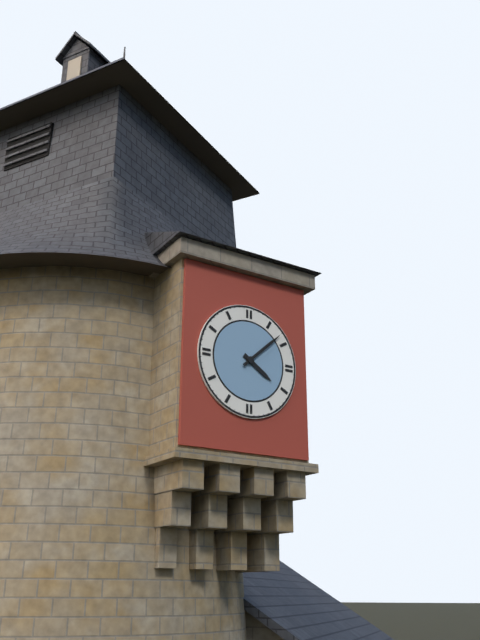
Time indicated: 4:08
